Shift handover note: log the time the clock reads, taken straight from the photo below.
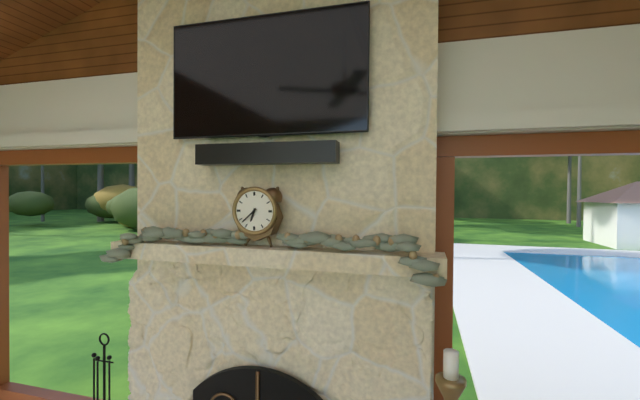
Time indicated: 6:38
